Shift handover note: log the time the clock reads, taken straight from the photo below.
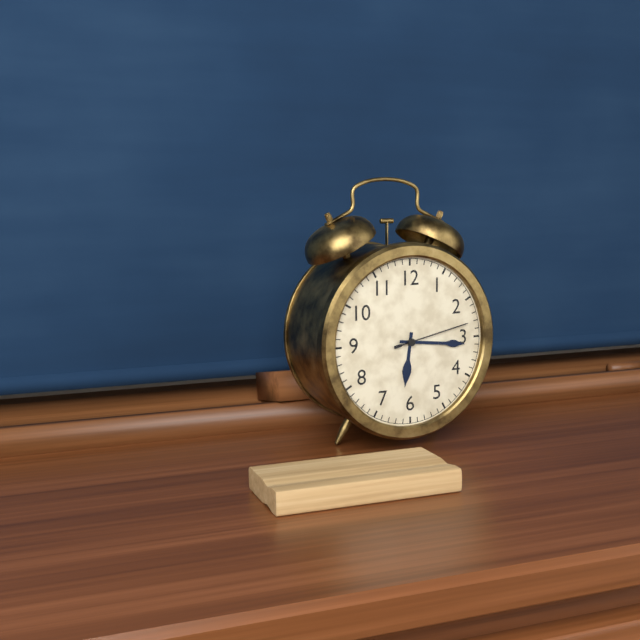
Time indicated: 6:16:13
